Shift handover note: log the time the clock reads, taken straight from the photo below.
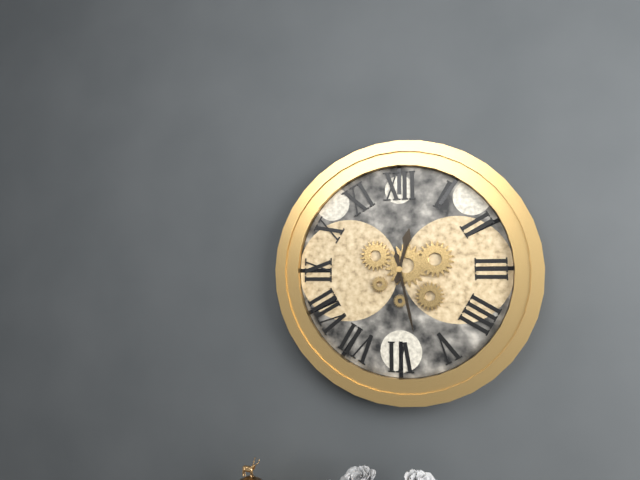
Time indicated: 12:28
